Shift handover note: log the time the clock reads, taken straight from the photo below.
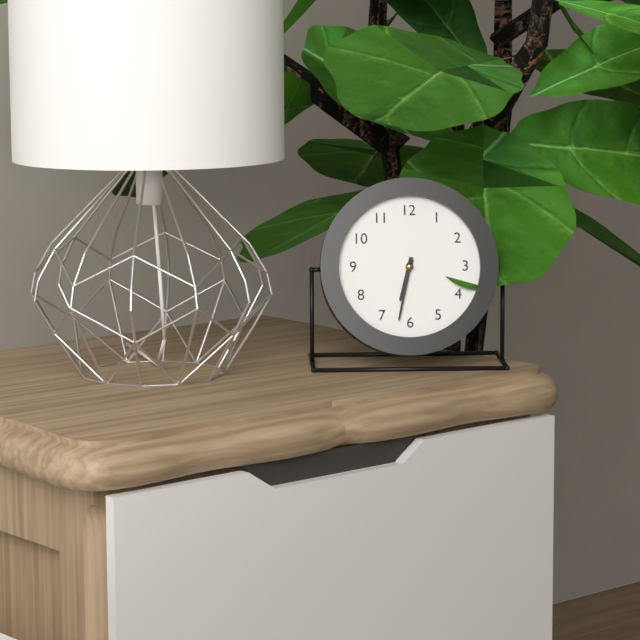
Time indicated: 6:32
